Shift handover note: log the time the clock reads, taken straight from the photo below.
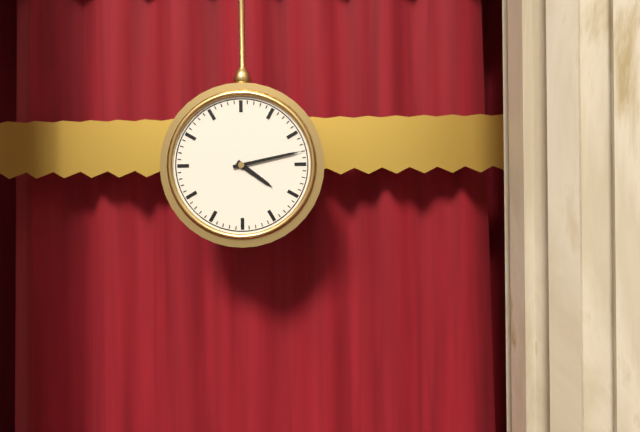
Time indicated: 4:13
